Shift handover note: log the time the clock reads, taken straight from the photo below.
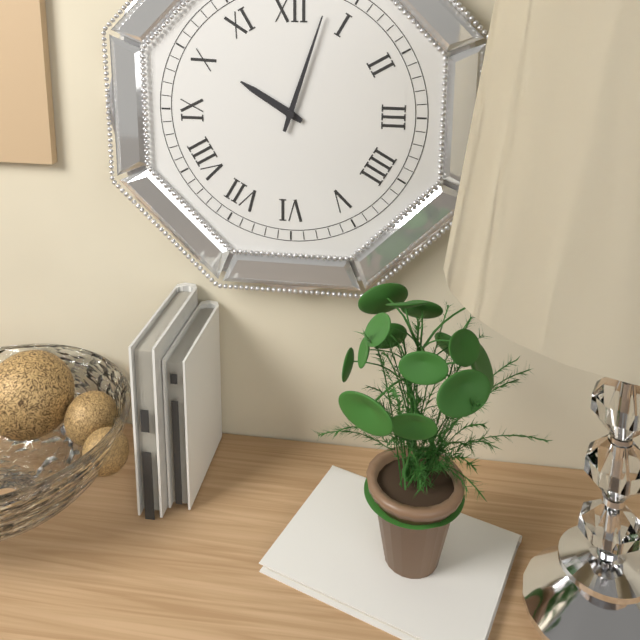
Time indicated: 10:03
